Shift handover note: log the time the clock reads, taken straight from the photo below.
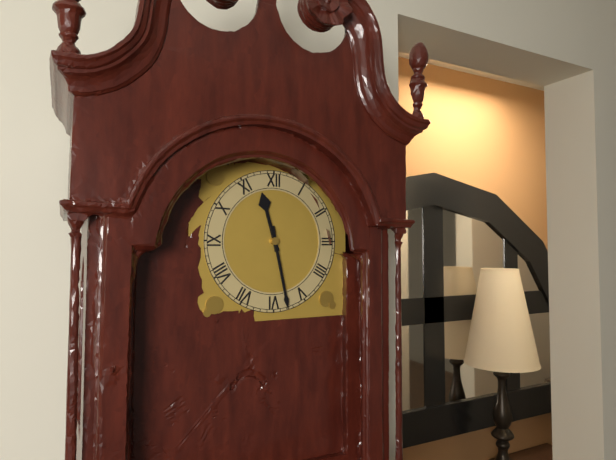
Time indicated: 11:28
